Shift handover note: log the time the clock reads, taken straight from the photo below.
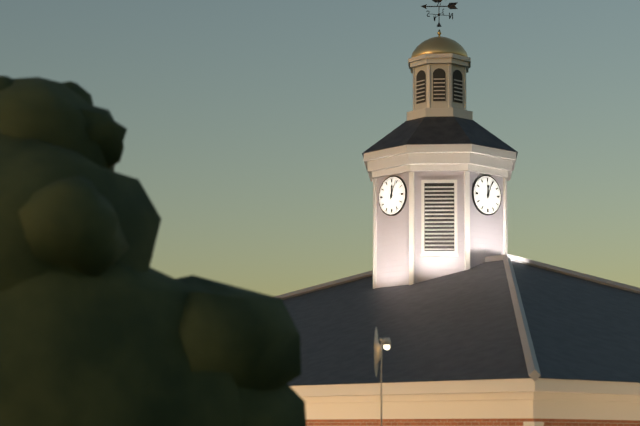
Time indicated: 12:04
